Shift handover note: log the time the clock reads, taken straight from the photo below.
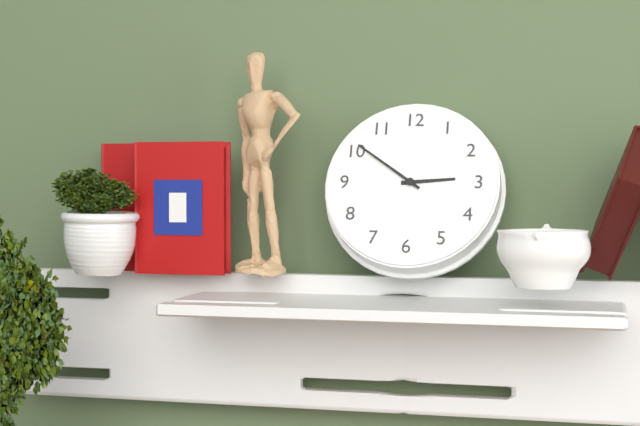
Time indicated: 2:51
